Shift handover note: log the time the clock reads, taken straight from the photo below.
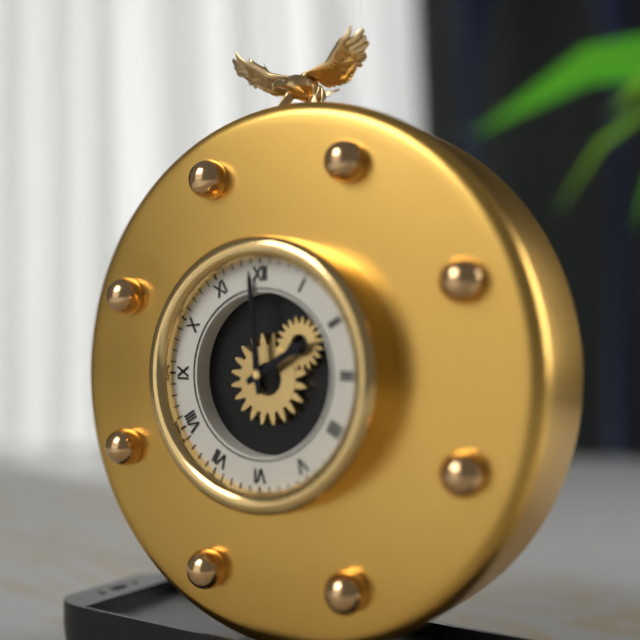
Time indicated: 1:59
